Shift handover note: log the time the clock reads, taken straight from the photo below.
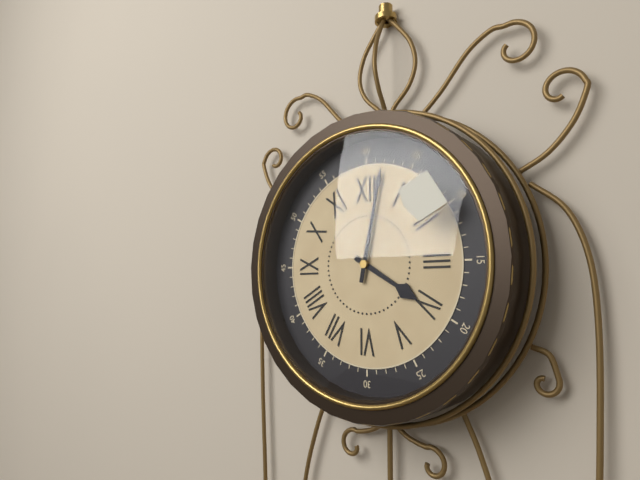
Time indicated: 4:02
